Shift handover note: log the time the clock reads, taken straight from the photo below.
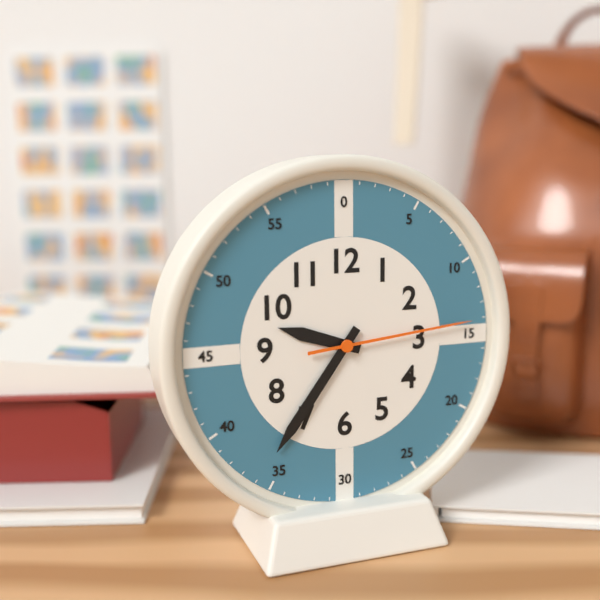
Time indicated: 9:36:14
